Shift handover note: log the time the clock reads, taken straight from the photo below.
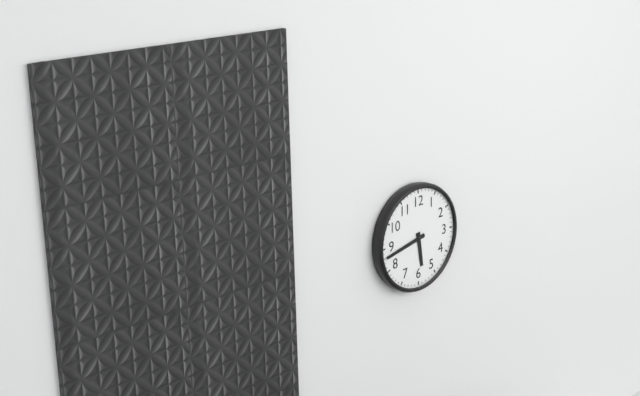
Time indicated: 5:43
